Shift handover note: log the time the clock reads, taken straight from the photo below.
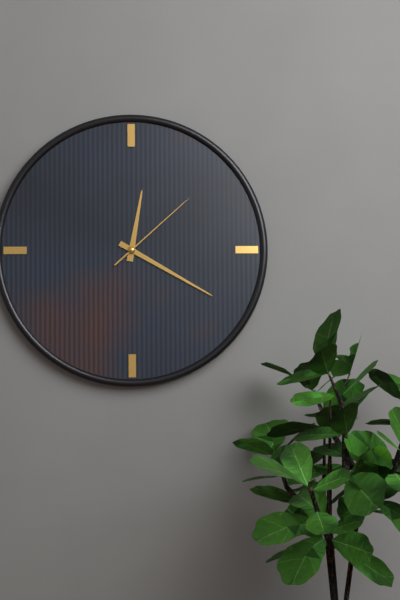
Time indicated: 12:20:08
